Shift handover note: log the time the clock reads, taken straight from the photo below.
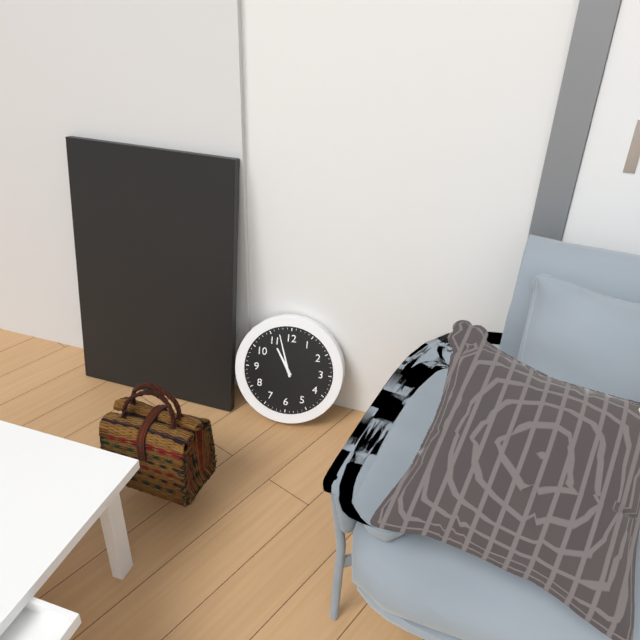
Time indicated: 10:57
